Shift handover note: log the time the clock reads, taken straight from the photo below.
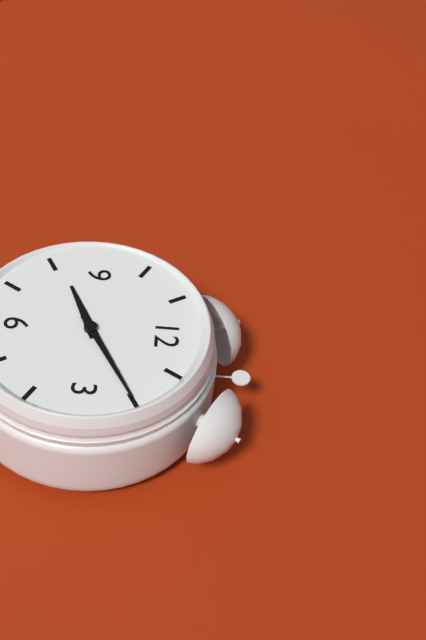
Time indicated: 8:10
